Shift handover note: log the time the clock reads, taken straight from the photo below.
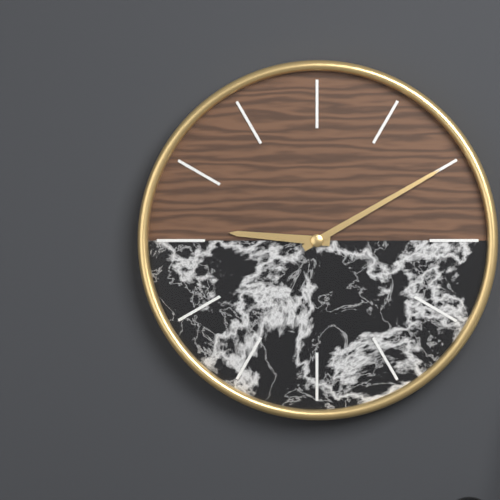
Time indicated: 9:10
